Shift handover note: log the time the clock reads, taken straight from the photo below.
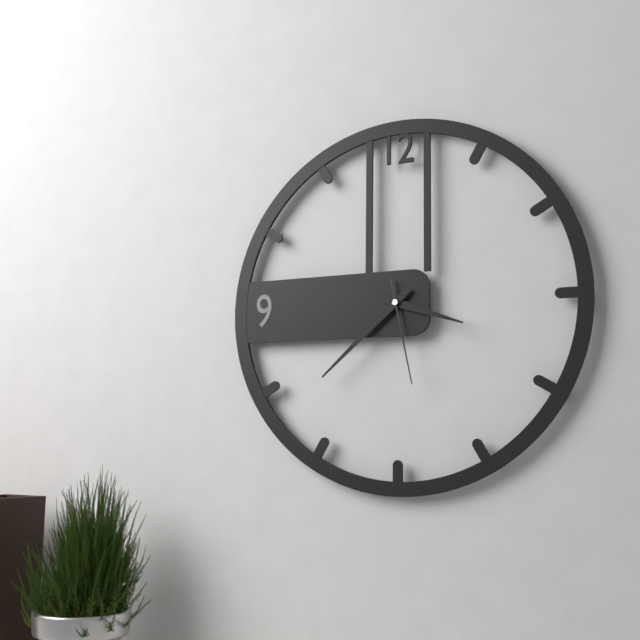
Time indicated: 3:38:28
